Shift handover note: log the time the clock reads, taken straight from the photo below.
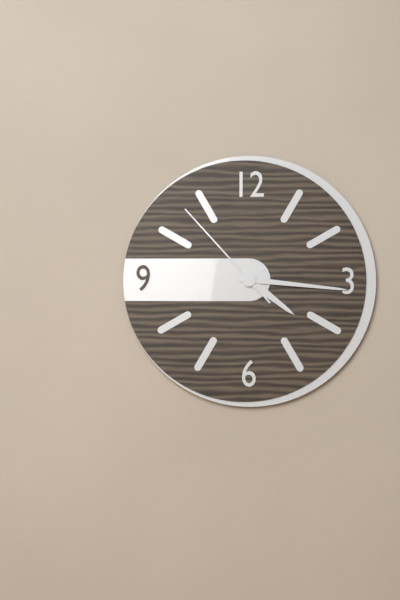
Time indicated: 4:16:53
